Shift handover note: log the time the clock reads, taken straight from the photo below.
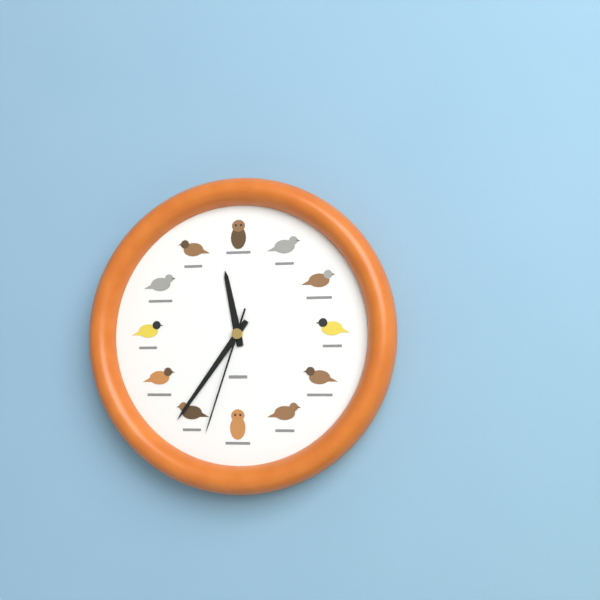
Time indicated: 11:36:33
